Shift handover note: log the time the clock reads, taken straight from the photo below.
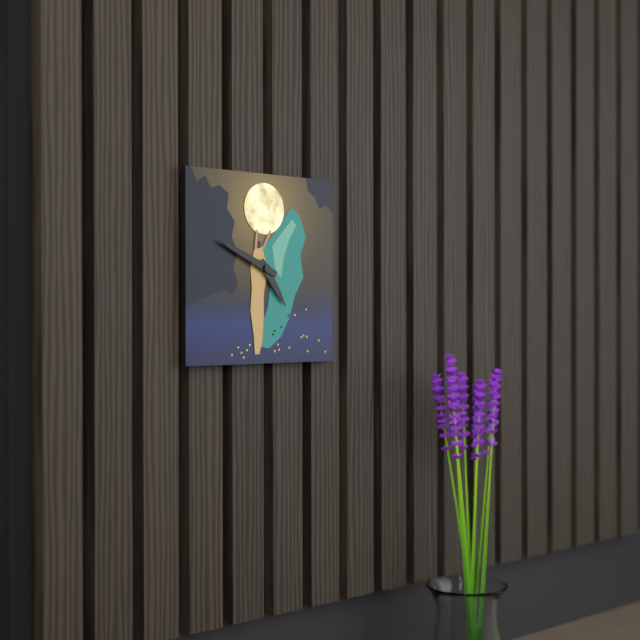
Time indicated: 4:49
